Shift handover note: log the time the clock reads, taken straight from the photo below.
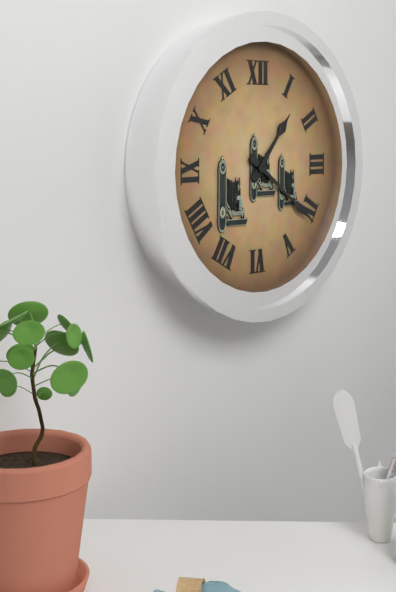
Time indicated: 1:21
